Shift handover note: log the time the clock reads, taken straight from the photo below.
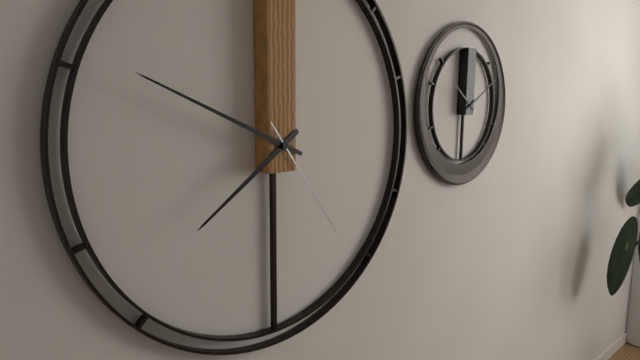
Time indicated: 7:49:24
